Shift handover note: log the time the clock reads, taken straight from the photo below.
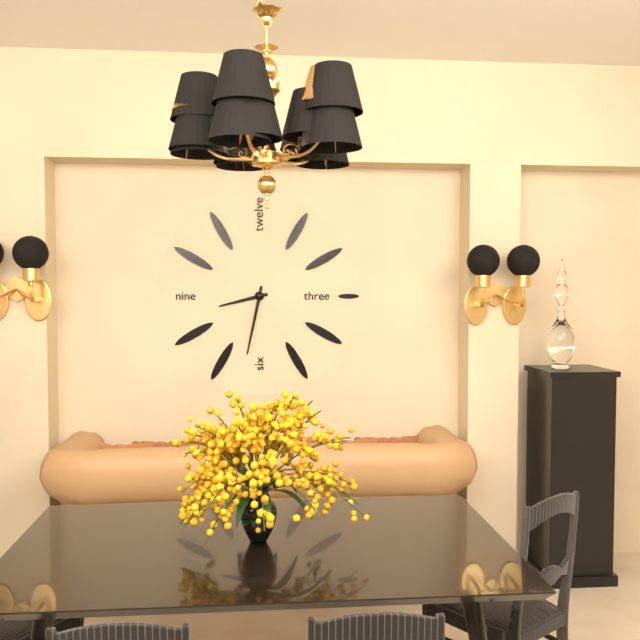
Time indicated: 8:32
